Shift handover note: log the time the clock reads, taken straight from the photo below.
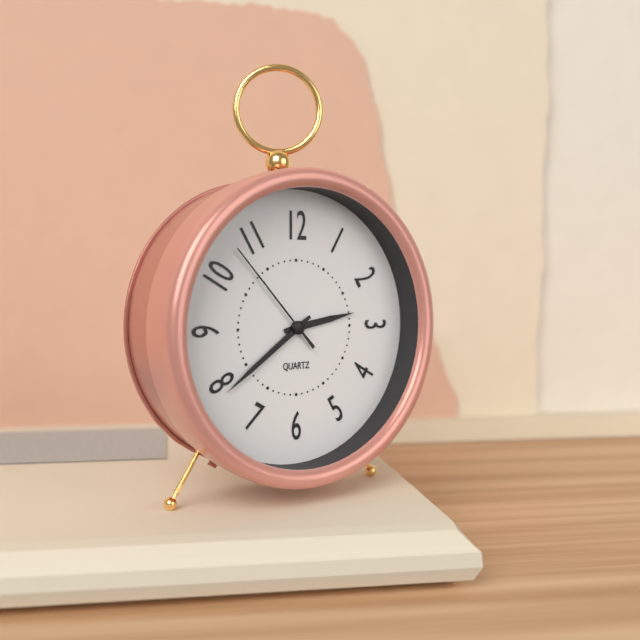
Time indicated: 2:39:53
